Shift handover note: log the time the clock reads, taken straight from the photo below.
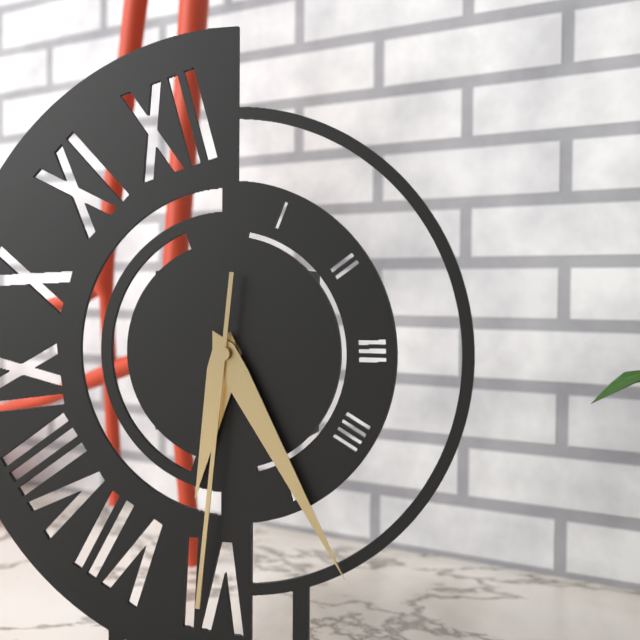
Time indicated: 6:25:31
